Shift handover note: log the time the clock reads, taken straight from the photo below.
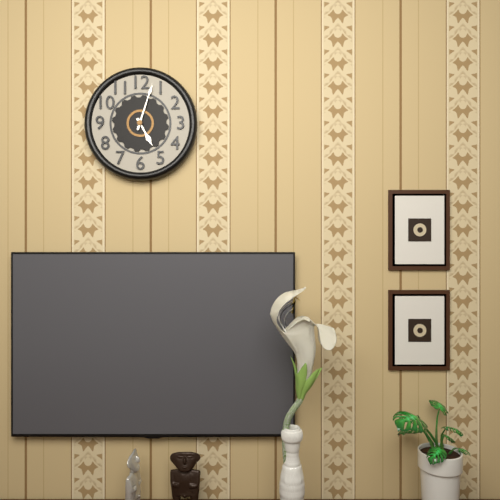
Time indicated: 5:03
